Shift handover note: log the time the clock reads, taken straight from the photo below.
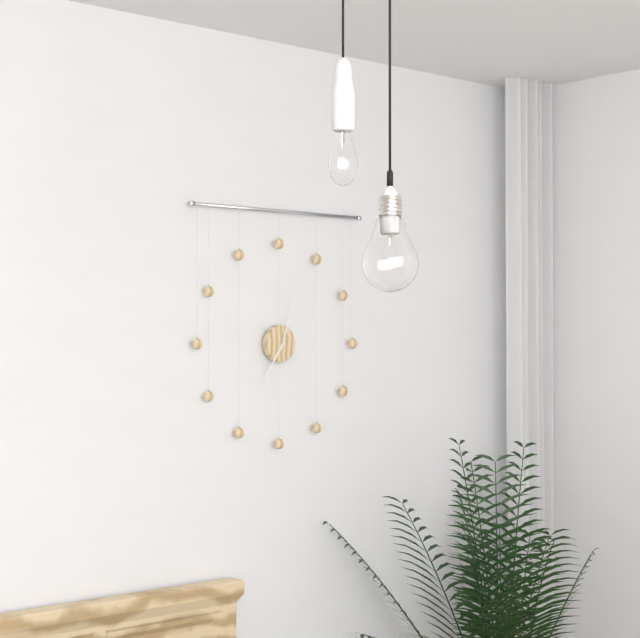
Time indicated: 7:03
